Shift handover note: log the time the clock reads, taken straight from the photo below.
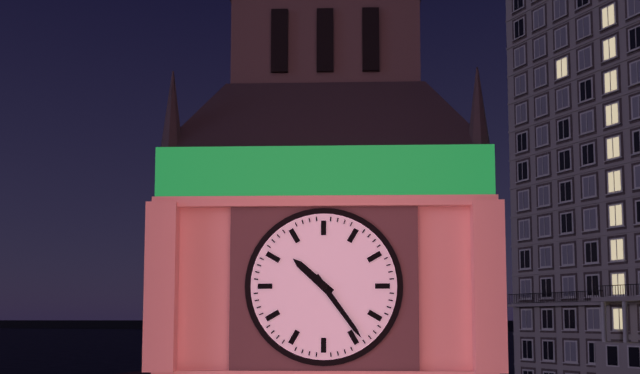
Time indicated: 10:24
